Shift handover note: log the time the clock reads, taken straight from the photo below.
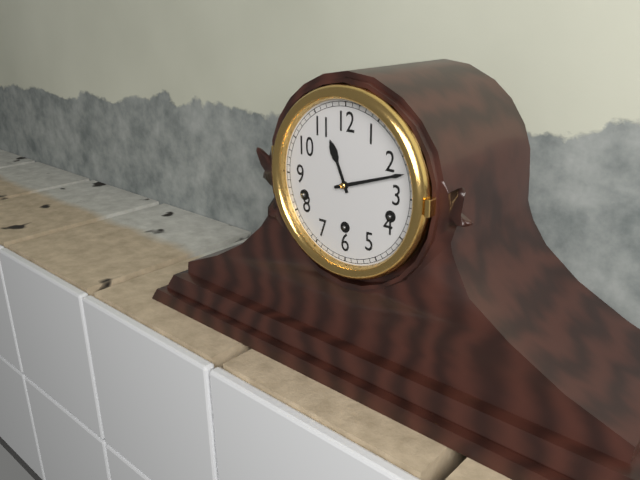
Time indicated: 11:12
